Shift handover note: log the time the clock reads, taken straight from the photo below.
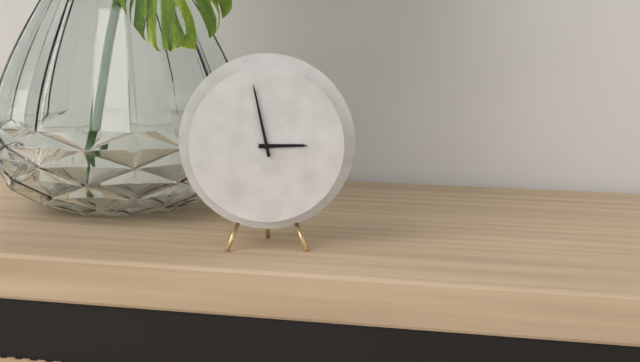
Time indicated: 2:58
